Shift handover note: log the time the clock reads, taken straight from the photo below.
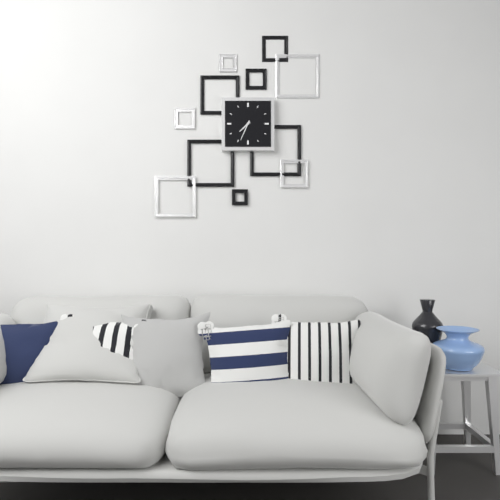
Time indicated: 7:34
